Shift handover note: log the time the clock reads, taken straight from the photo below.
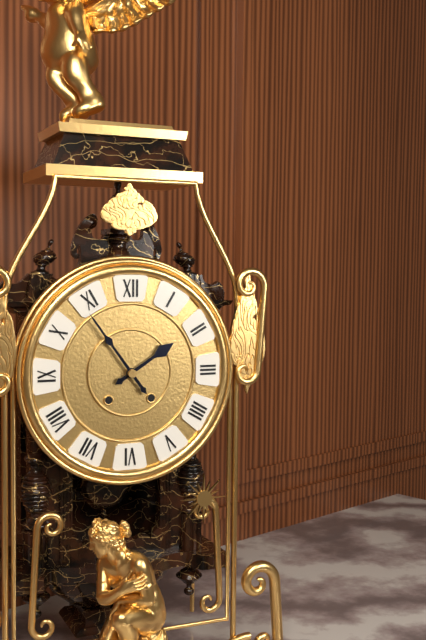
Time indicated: 1:54
